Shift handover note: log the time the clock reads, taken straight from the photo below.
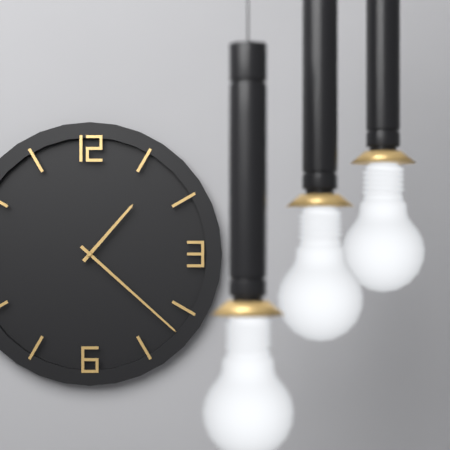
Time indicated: 1:22
